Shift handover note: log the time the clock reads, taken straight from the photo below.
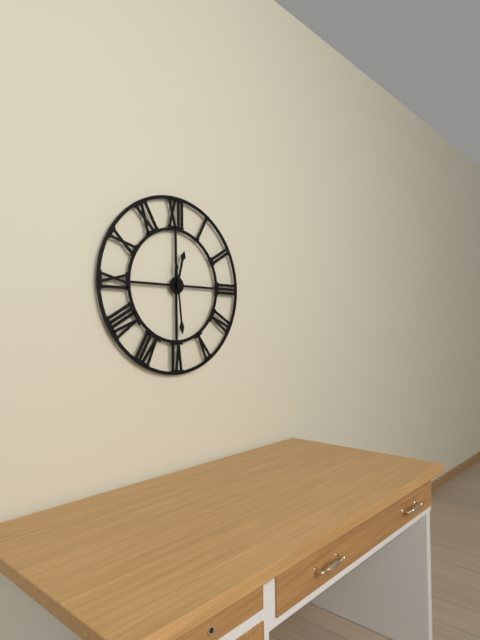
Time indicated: 12:29
